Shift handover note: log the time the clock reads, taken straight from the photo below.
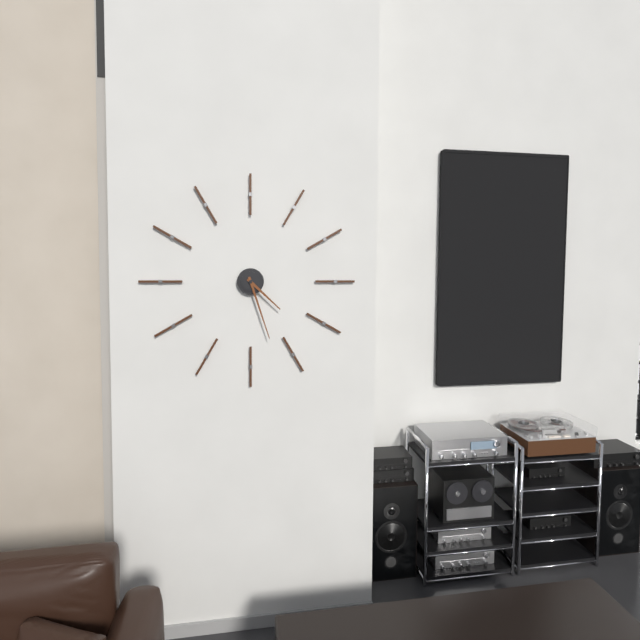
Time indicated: 4:27
